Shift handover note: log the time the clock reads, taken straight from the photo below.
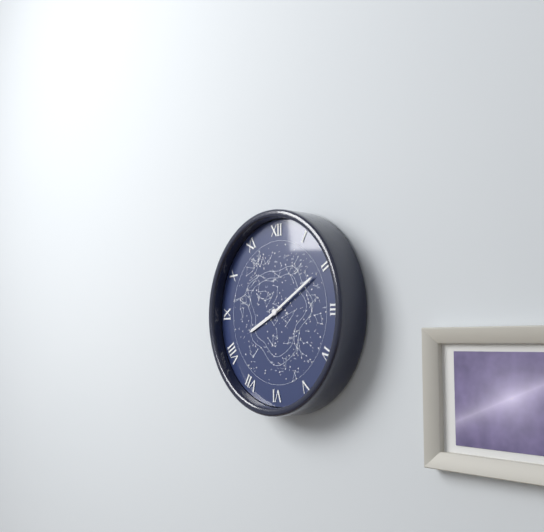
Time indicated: 8:10
